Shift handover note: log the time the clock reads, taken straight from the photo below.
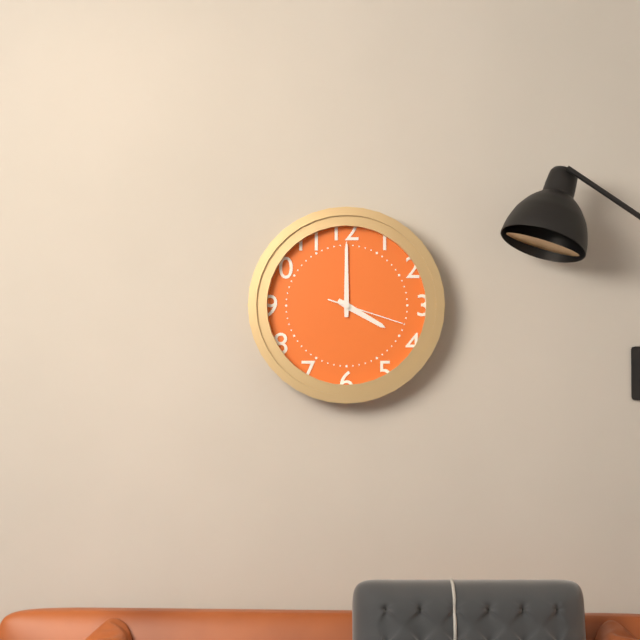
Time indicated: 4:00:18
